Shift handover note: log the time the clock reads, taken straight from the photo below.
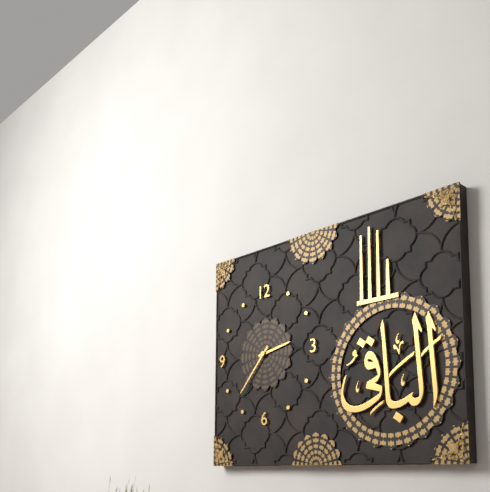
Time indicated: 2:37
